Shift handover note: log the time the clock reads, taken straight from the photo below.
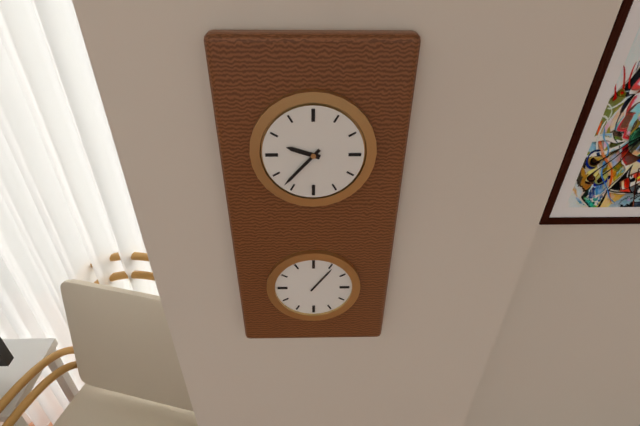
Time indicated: 9:37
